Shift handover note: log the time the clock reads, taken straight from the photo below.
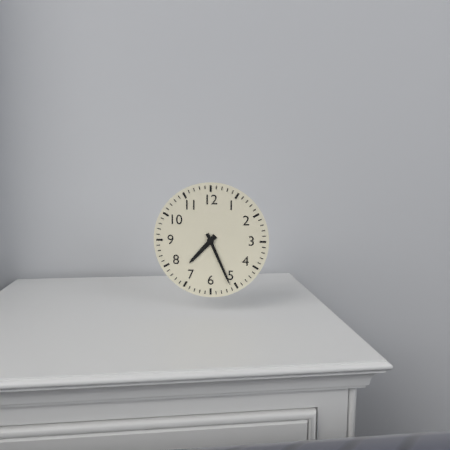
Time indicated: 7:26
